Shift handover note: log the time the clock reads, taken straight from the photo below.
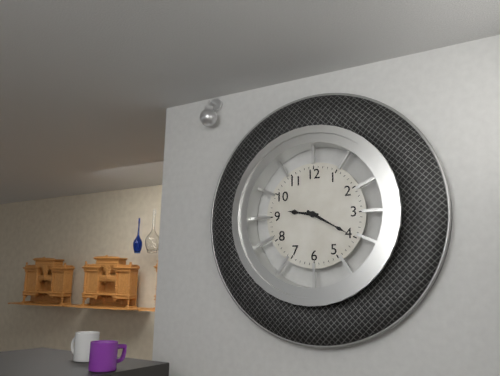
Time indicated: 9:20
